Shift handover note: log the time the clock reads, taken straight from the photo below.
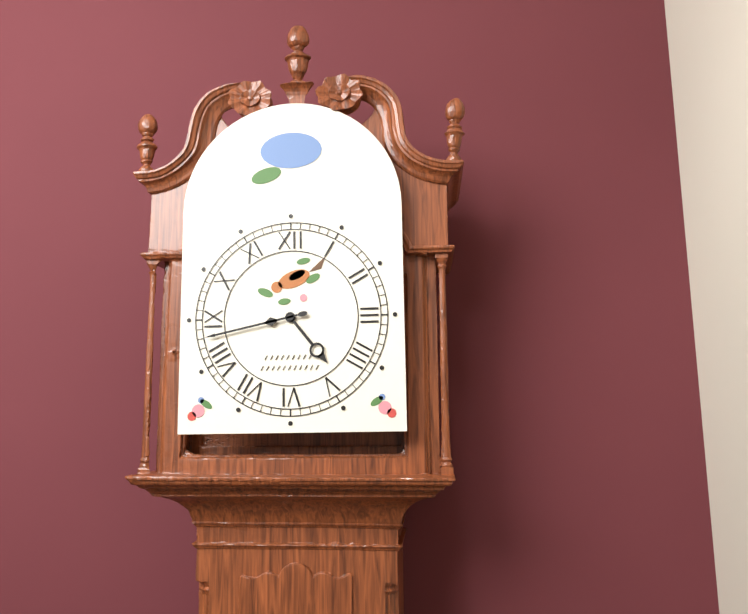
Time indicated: 4:43
